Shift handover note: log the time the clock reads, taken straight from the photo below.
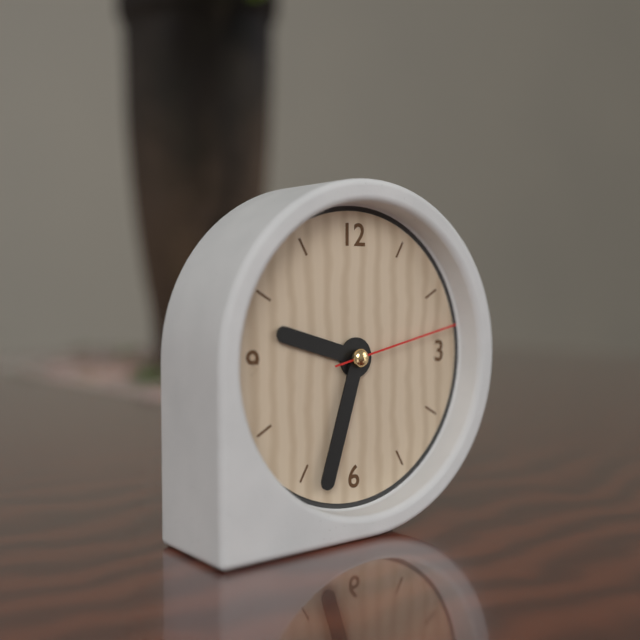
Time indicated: 9:33:13
